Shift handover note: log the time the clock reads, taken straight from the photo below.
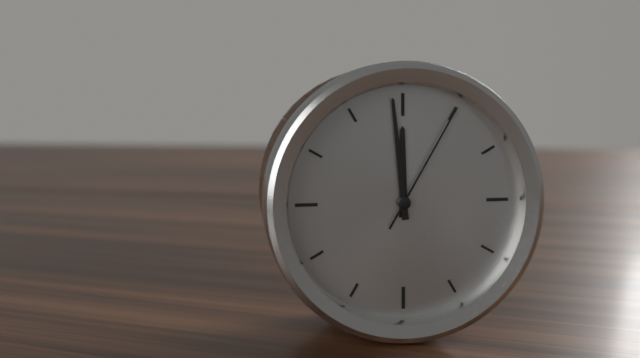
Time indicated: 11:59:05
